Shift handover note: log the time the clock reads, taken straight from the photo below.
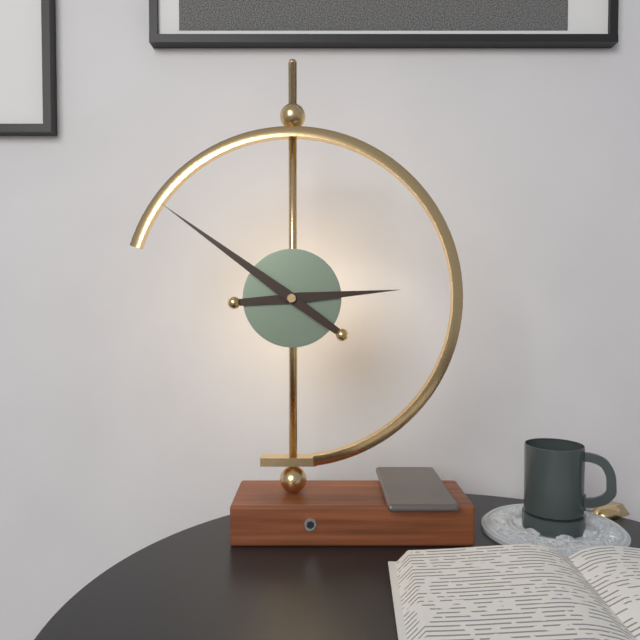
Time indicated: 2:51
